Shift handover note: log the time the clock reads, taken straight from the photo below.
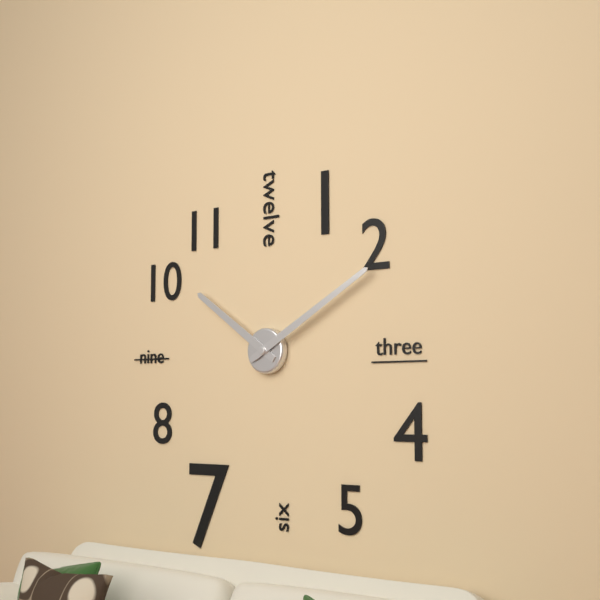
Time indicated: 10:10
